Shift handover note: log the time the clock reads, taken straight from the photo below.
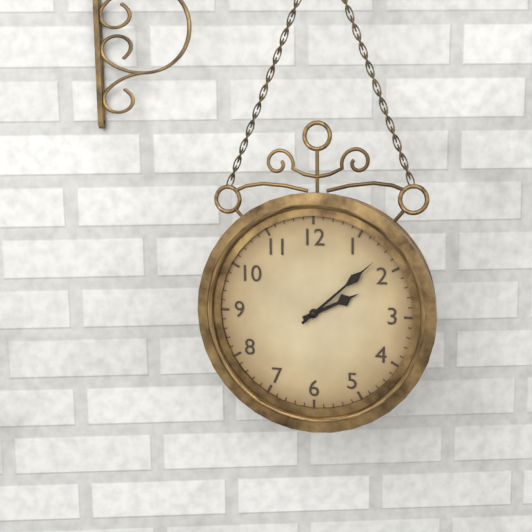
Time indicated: 2:08
